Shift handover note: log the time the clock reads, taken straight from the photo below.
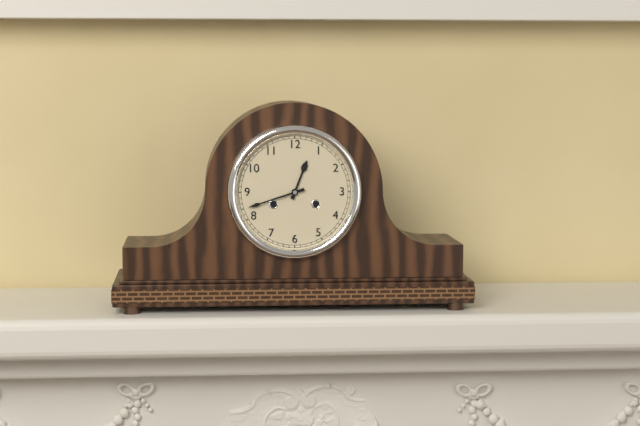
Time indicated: 12:42
